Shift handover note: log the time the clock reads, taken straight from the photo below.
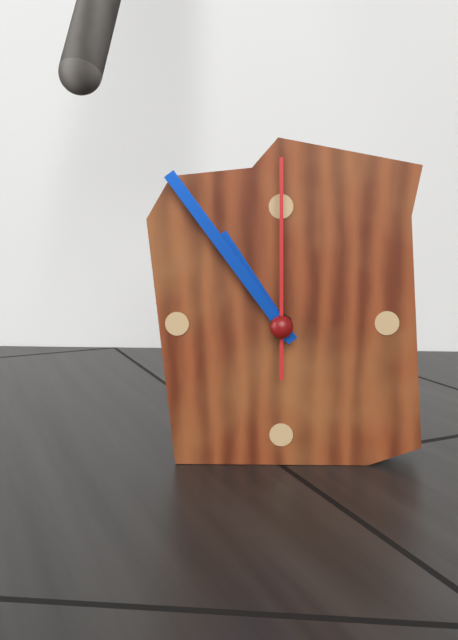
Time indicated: 10:54:00
